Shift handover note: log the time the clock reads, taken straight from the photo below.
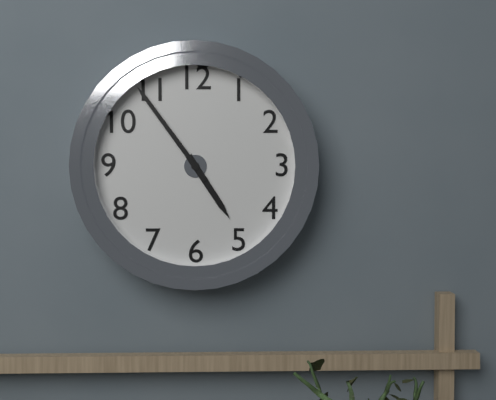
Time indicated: 4:54
